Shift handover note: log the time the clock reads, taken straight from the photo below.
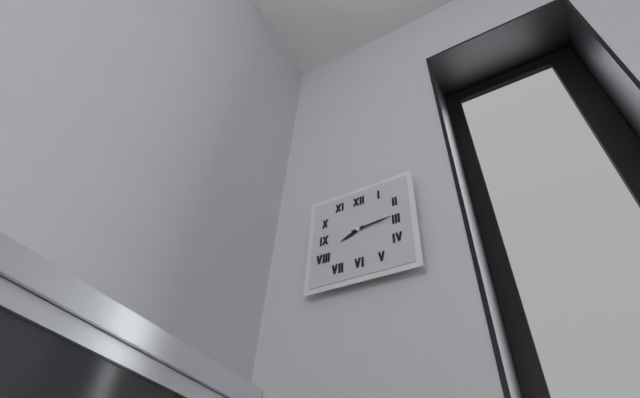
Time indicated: 8:14
